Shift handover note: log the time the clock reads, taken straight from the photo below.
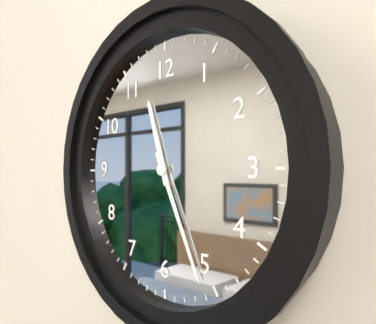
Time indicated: 11:26
